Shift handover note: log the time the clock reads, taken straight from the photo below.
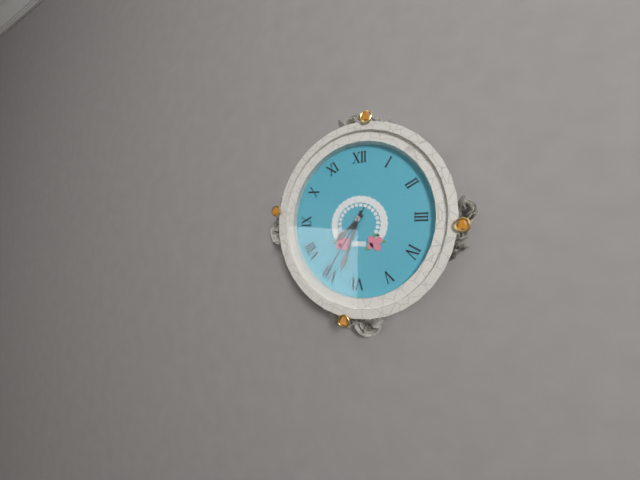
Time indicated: 7:33:35
